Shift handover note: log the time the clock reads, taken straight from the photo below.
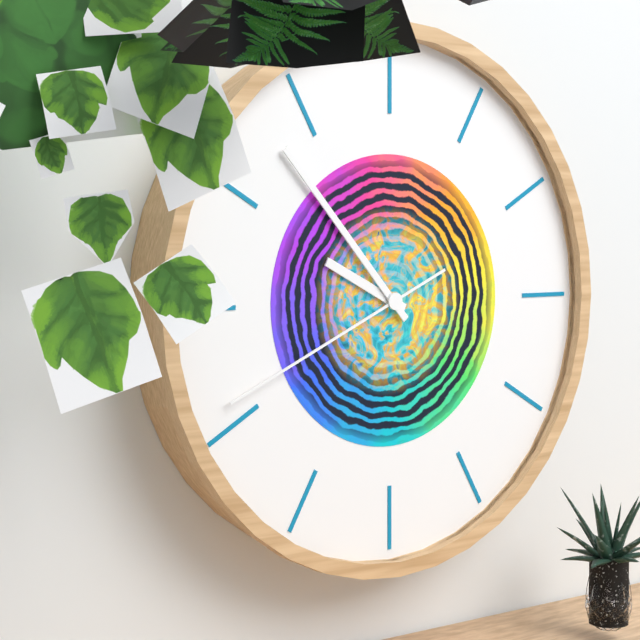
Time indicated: 9:53:41
